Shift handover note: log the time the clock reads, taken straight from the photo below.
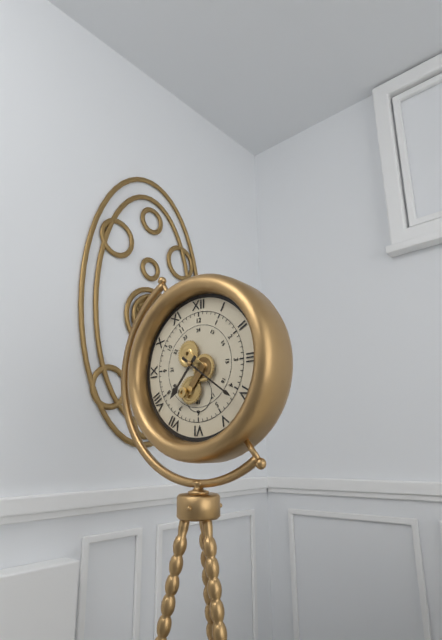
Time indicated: 7:21
